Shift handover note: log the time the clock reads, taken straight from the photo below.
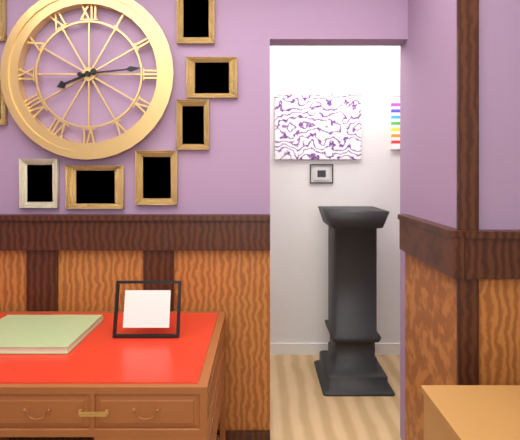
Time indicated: 8:14
